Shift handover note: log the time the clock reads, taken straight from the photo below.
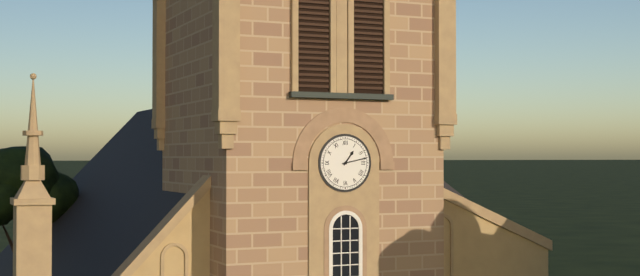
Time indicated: 1:13
